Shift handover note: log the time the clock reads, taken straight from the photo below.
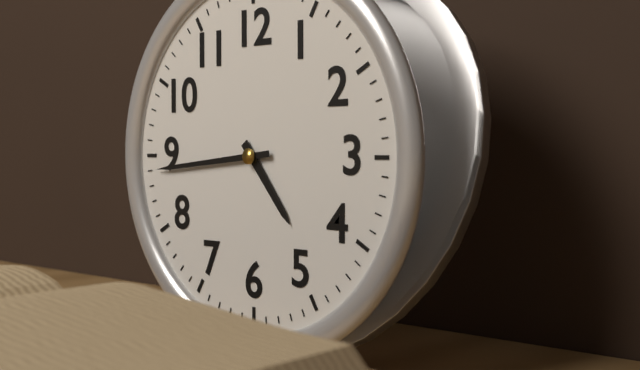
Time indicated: 4:44
